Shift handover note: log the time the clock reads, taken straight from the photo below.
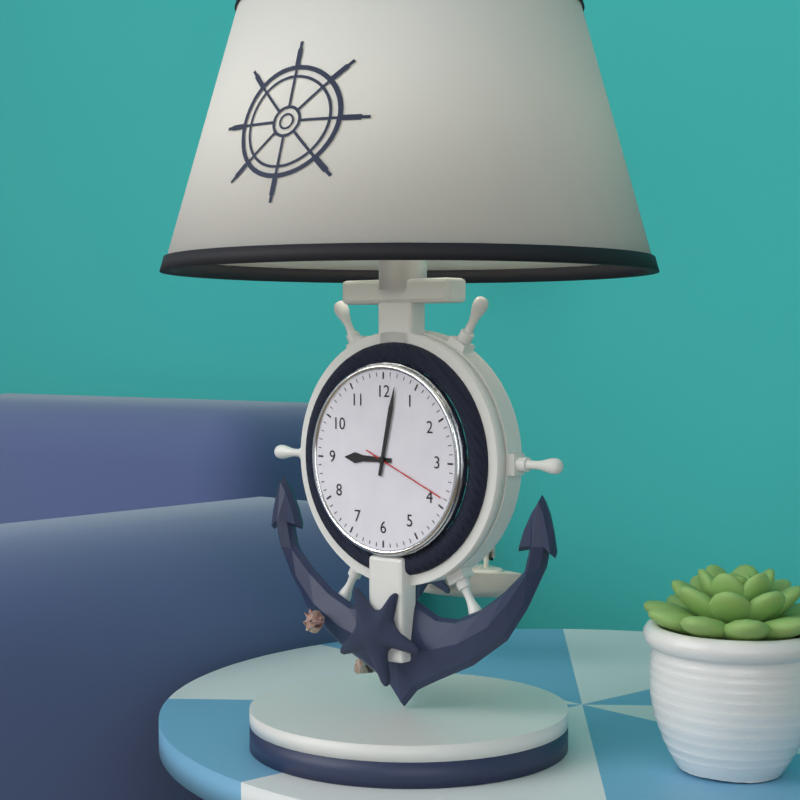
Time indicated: 9:02:19
